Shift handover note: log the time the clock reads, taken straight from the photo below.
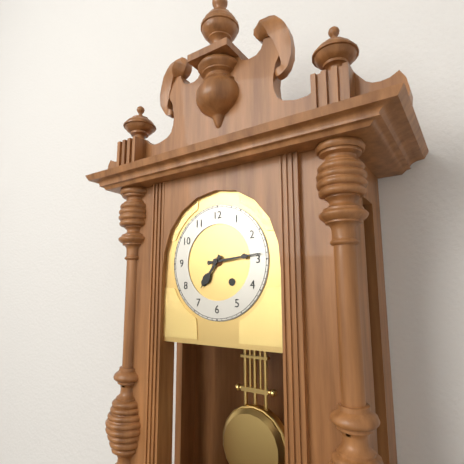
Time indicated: 7:14
